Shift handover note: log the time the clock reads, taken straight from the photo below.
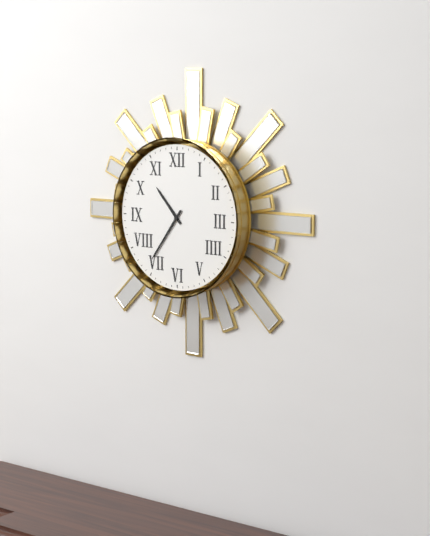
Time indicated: 10:36
